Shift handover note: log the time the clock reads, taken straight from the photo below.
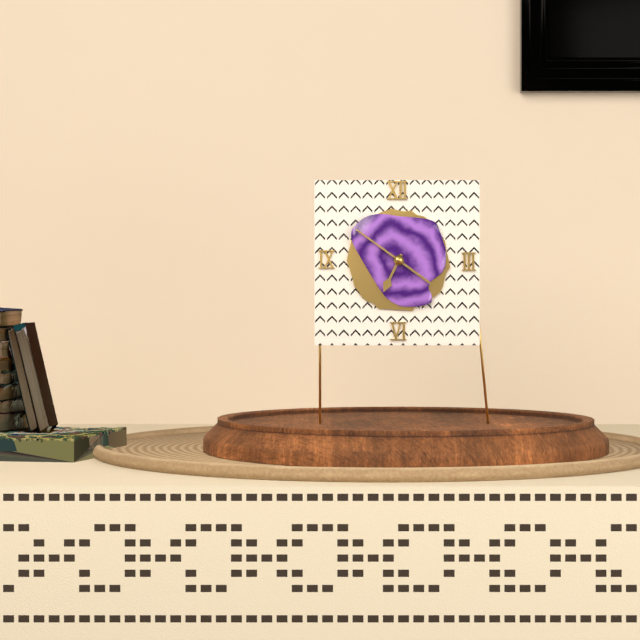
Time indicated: 6:51
